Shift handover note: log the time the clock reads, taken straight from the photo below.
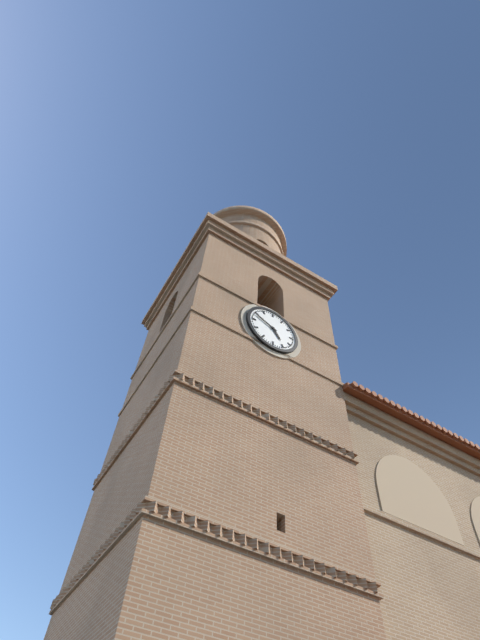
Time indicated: 4:49
